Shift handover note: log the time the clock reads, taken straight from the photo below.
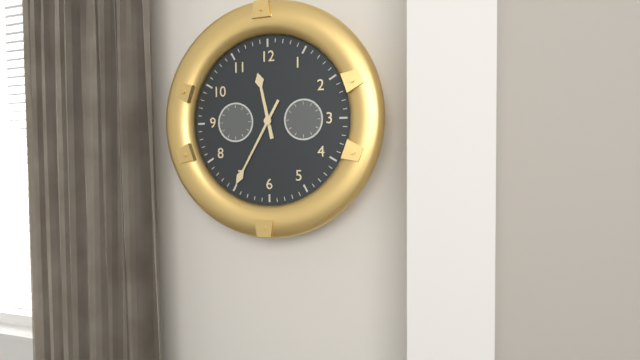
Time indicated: 11:35
